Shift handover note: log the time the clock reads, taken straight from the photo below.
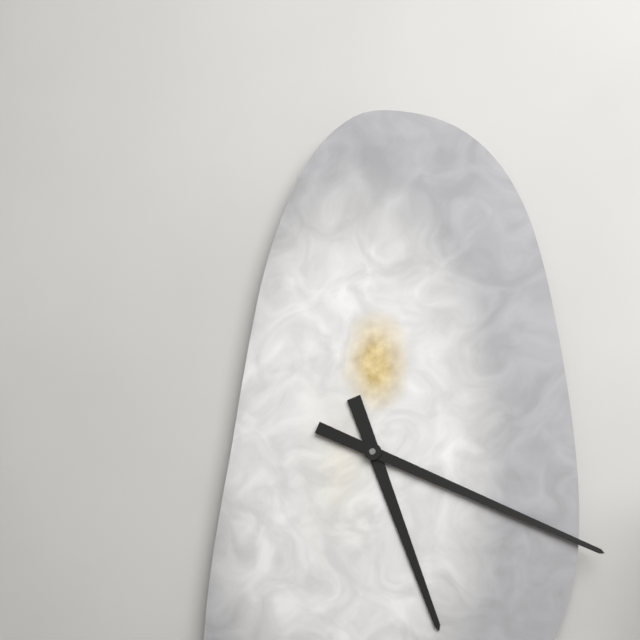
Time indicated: 5:19
